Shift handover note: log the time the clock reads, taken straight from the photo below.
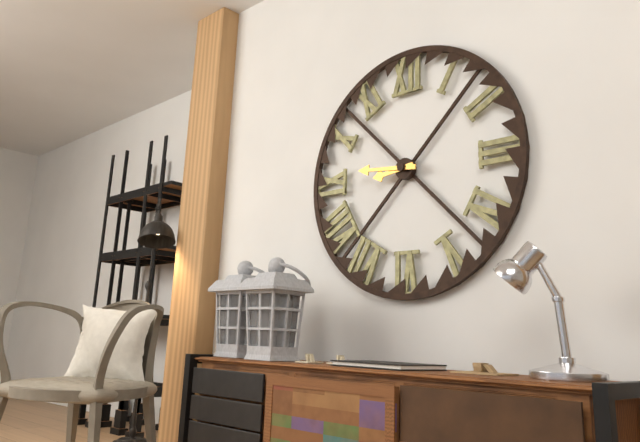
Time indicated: 8:46
